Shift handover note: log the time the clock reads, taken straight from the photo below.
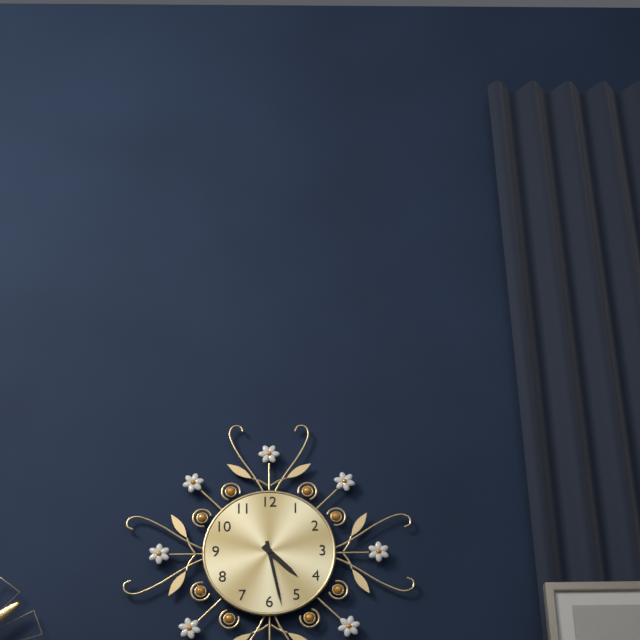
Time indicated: 4:28
